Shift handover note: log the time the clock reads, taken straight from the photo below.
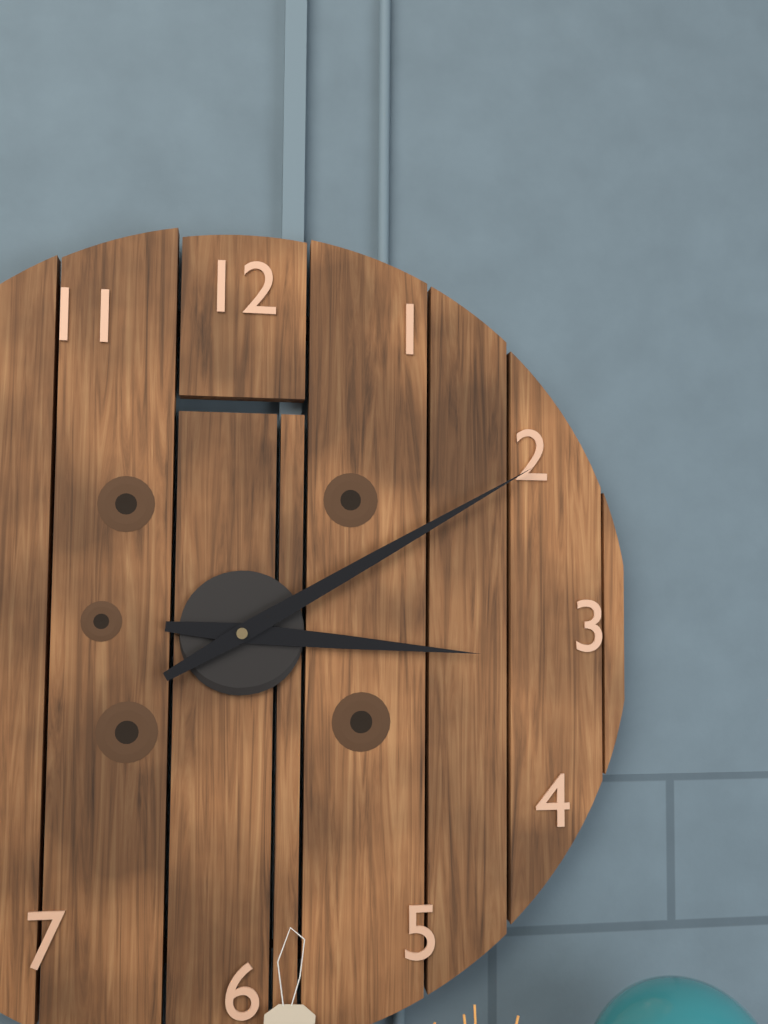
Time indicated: 3:10
